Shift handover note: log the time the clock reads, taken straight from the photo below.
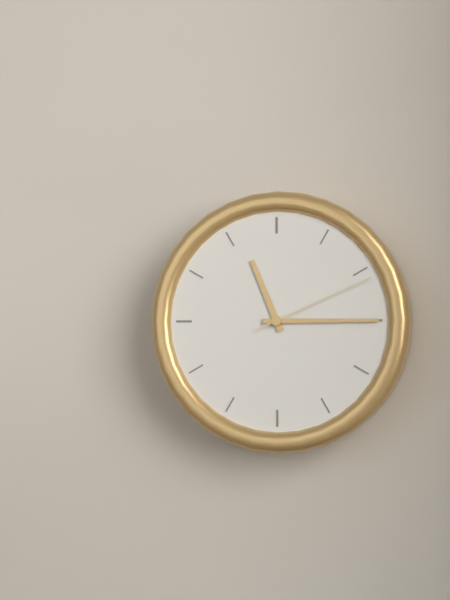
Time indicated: 11:15:11
